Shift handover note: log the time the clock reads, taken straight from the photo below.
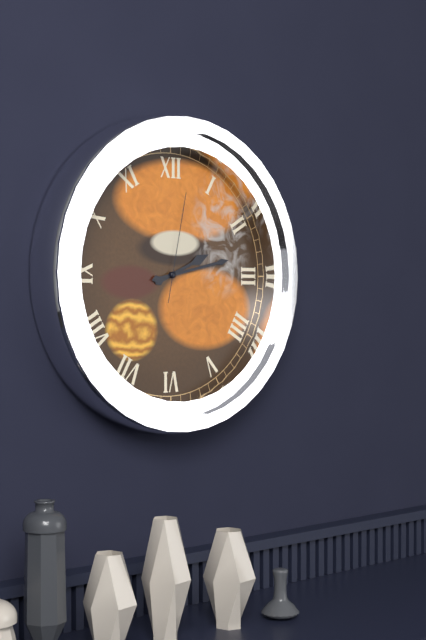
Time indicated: 2:13:02
